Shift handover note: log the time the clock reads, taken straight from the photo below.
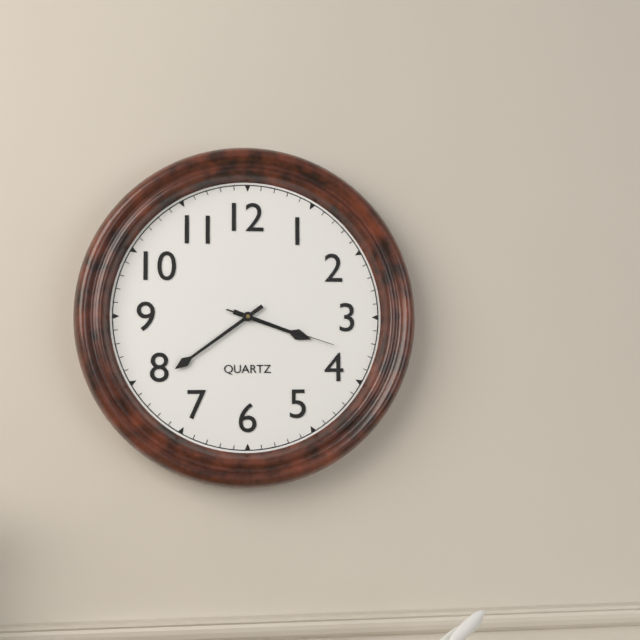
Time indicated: 3:39:18
